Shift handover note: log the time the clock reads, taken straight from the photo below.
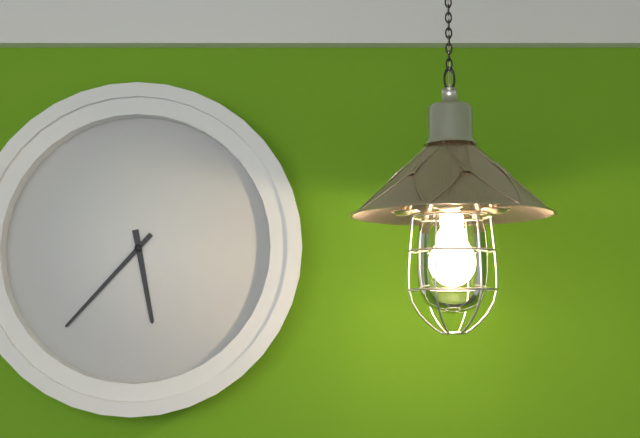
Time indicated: 5:37
